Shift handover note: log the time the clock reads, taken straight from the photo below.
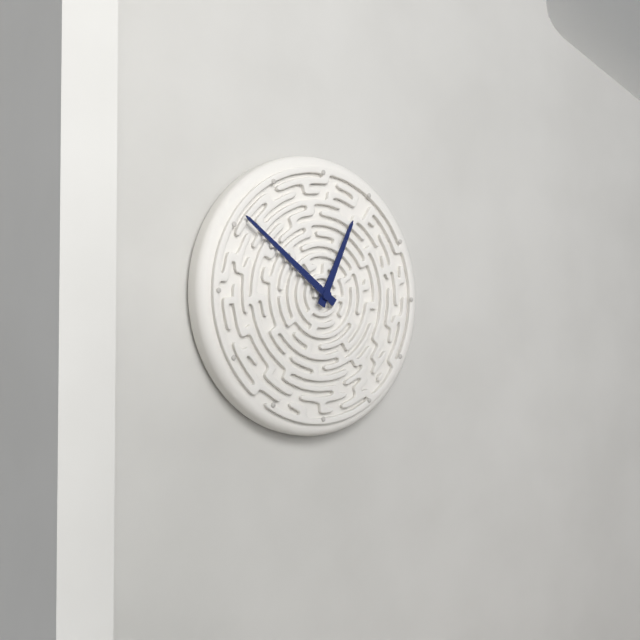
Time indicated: 12:51
